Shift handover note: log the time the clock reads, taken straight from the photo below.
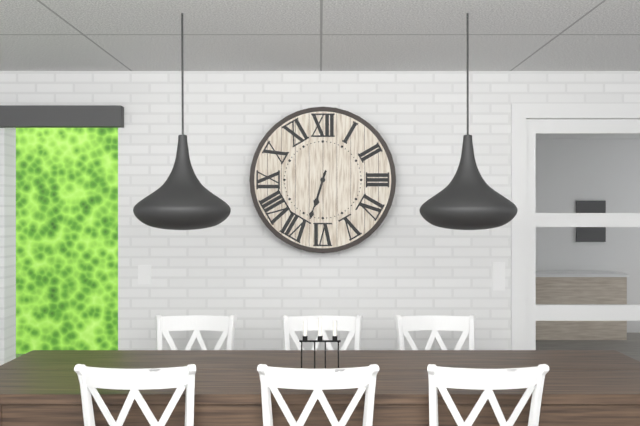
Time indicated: 6:33
